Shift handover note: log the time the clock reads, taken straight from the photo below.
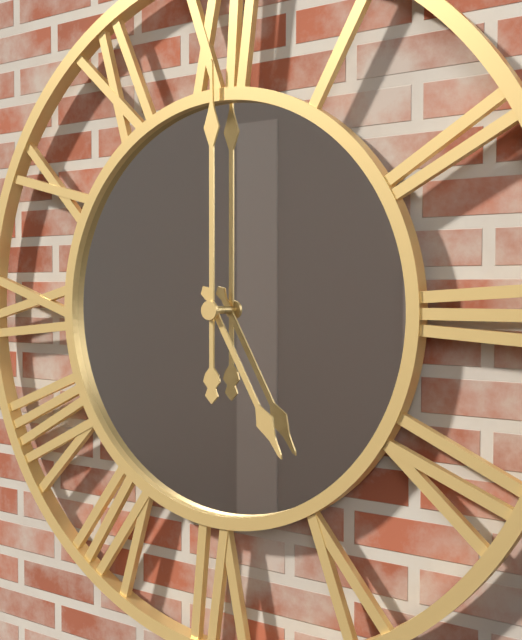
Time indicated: 5:00
